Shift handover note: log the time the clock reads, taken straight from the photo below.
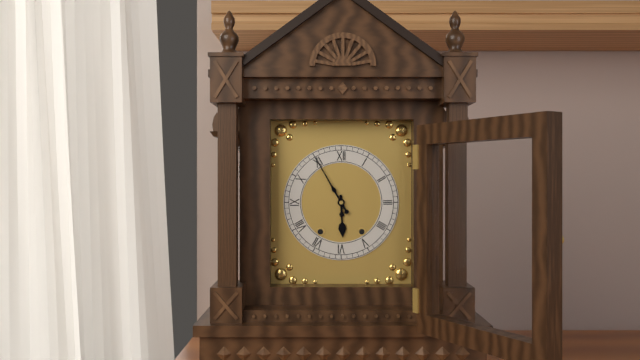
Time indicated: 5:55
